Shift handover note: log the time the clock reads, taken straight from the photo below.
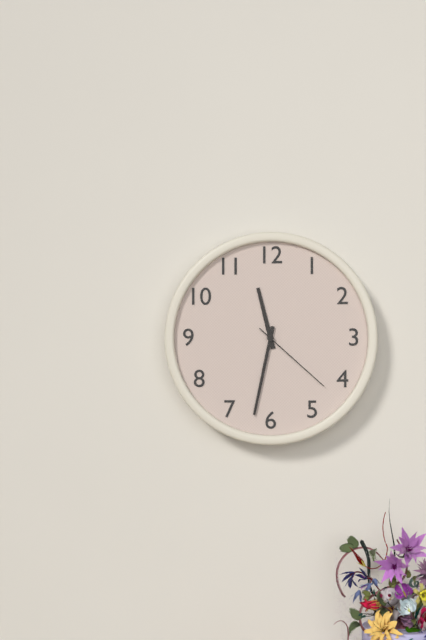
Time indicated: 11:32:22
